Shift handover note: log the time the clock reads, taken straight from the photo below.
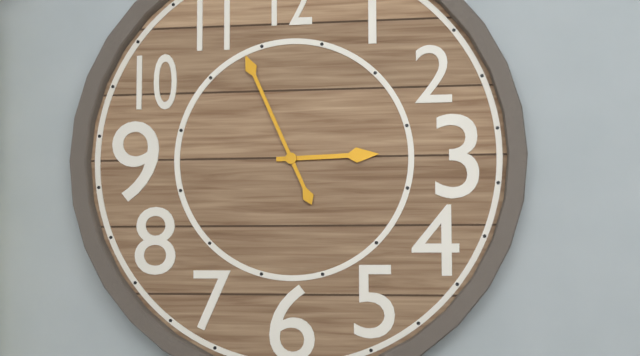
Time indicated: 2:56
